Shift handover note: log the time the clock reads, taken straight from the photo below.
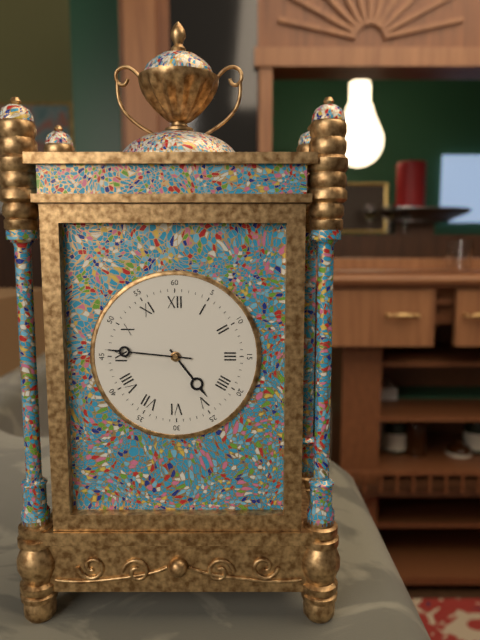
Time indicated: 4:46
